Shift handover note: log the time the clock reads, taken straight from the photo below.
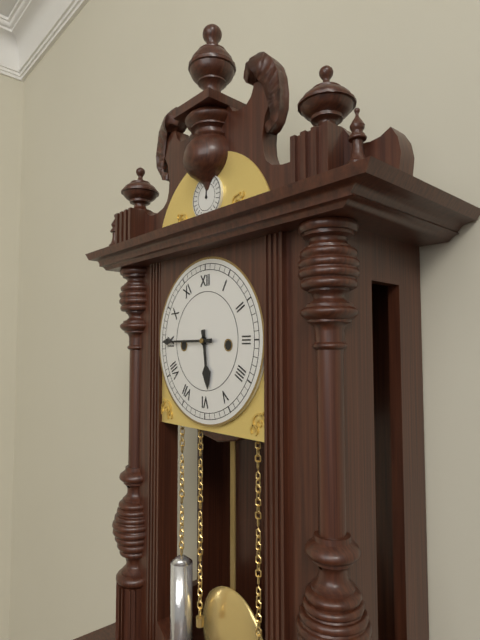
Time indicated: 5:45
